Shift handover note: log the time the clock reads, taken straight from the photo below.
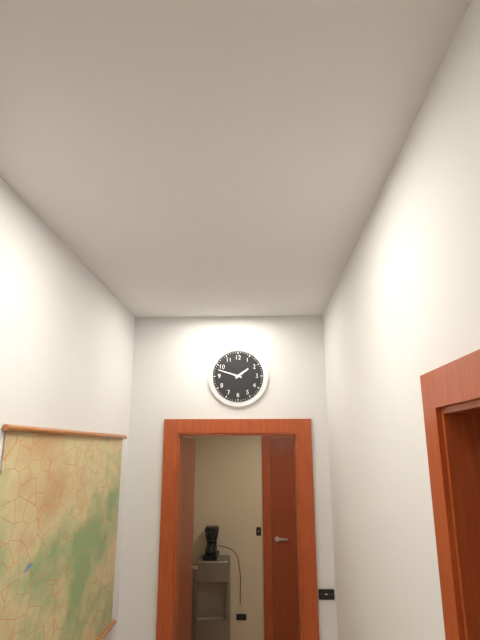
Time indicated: 1:48
